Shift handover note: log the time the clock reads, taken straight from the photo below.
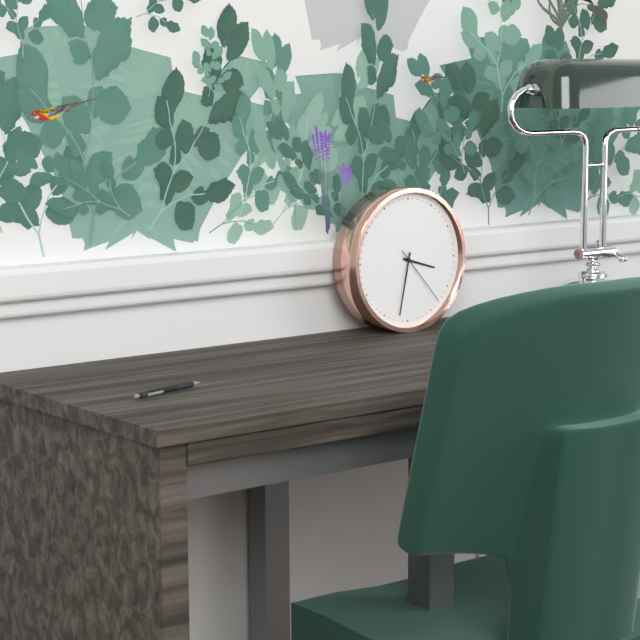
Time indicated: 3:32:23
